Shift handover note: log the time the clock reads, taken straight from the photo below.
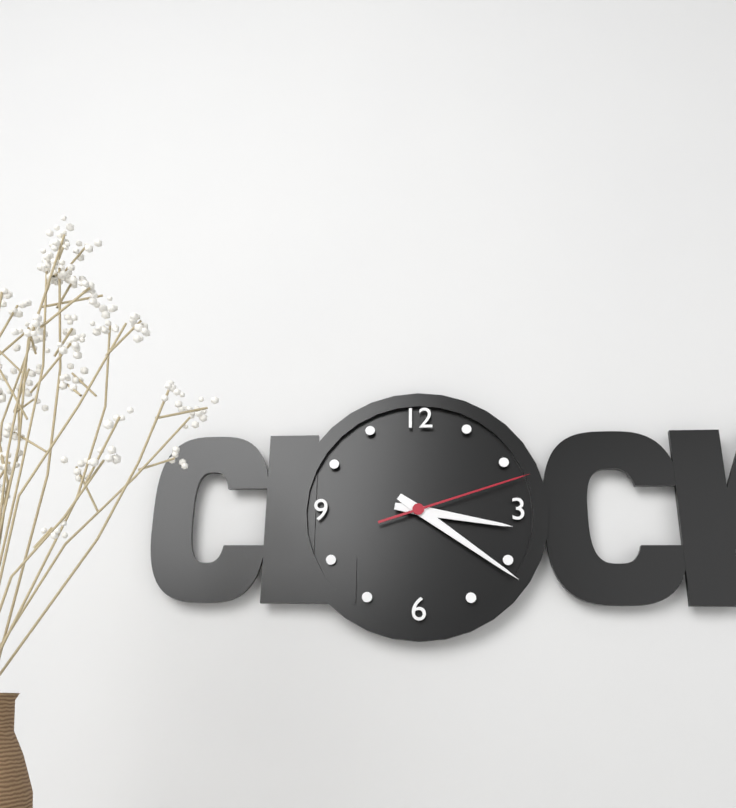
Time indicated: 3:21:12
